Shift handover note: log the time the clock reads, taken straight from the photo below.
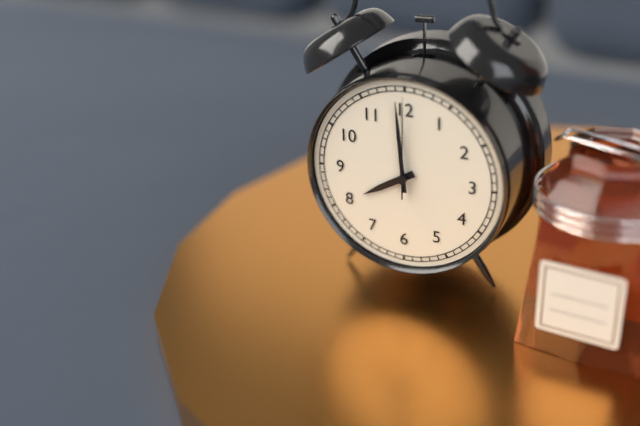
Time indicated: 7:59:00
